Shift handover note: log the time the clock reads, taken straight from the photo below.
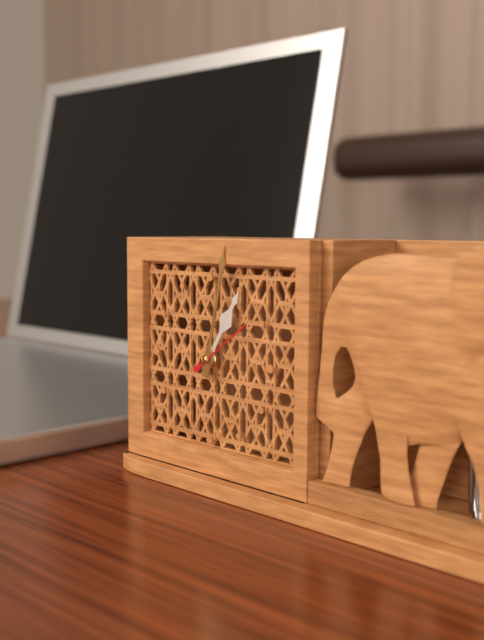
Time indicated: 1:02:09
